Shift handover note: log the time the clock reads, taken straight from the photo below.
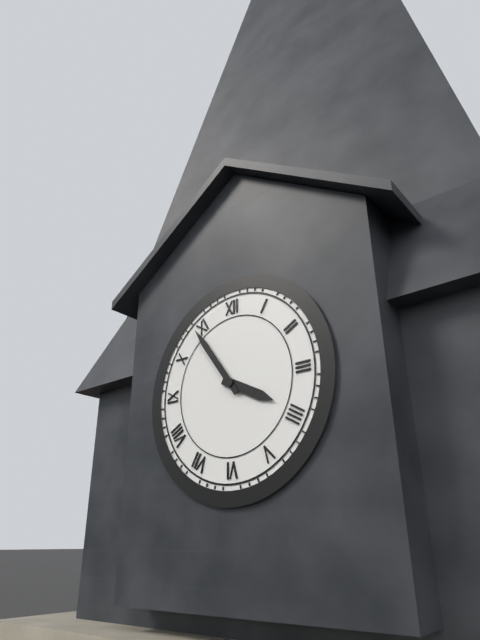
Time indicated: 3:54
